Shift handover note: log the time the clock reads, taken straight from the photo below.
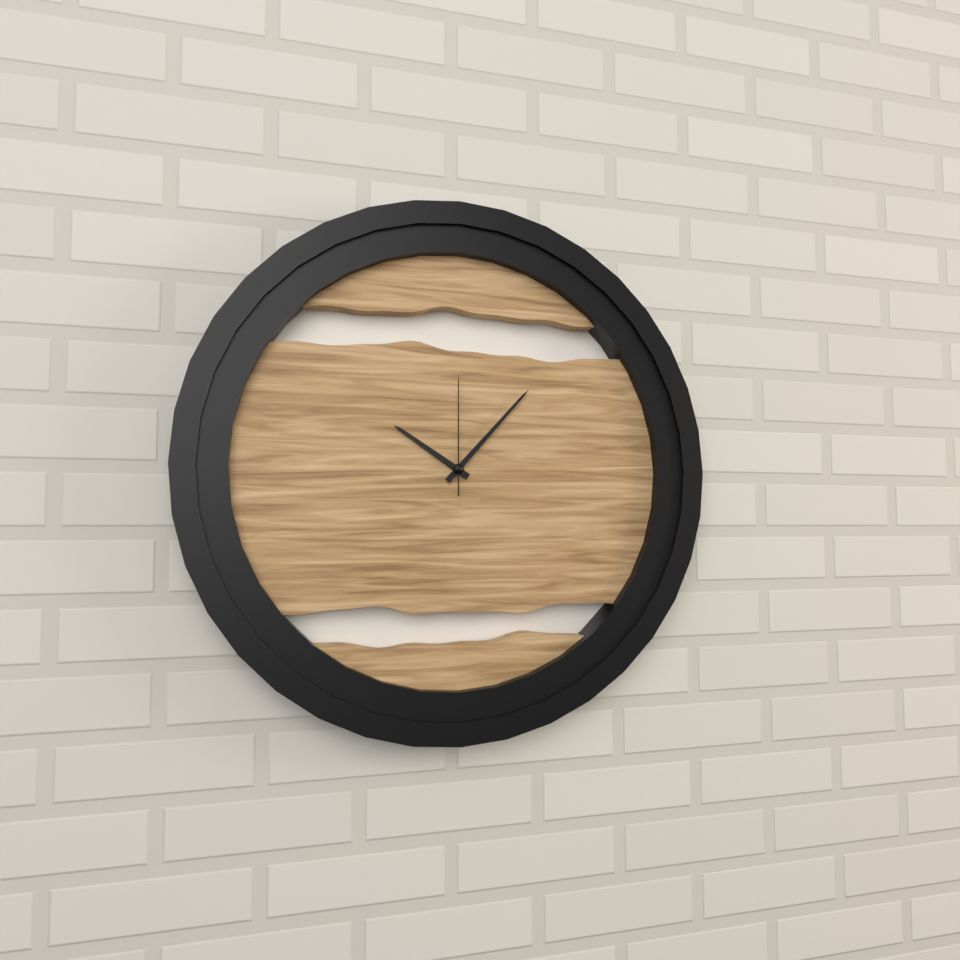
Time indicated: 10:07:00
